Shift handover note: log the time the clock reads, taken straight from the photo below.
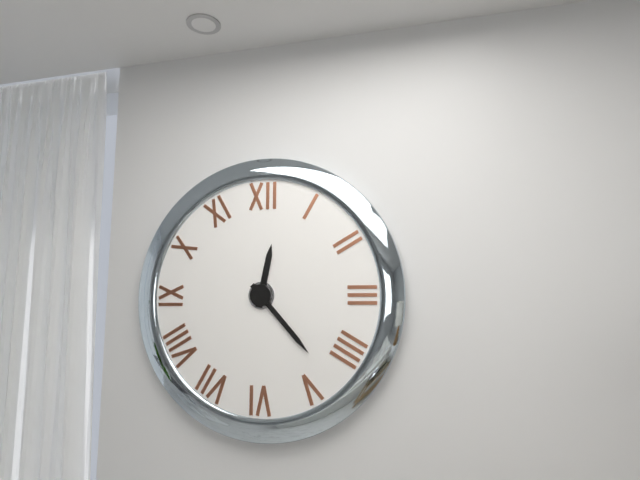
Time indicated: 12:23
